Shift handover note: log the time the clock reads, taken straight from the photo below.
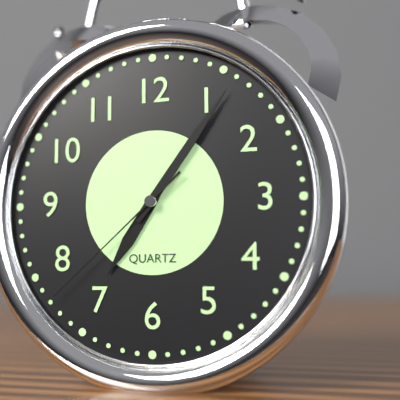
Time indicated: 7:06:38
